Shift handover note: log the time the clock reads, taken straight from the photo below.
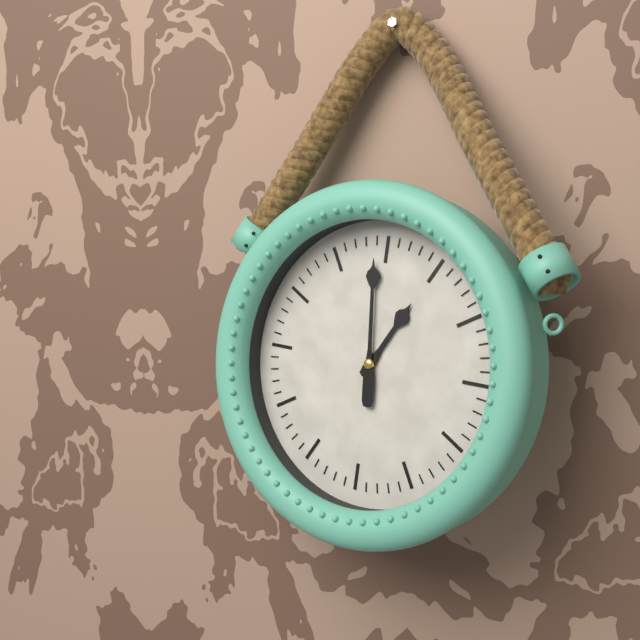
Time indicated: 12:59
